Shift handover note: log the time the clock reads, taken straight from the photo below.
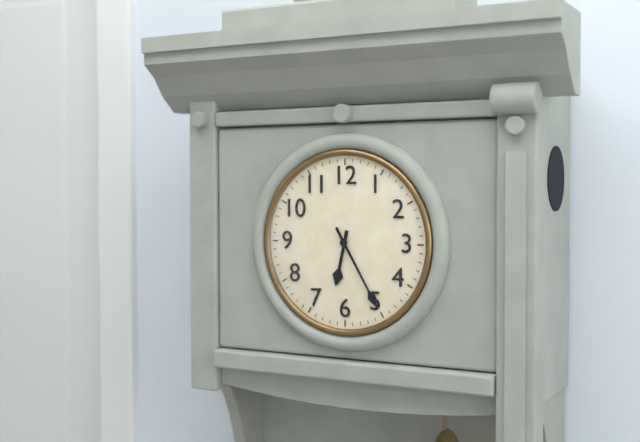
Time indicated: 6:25
